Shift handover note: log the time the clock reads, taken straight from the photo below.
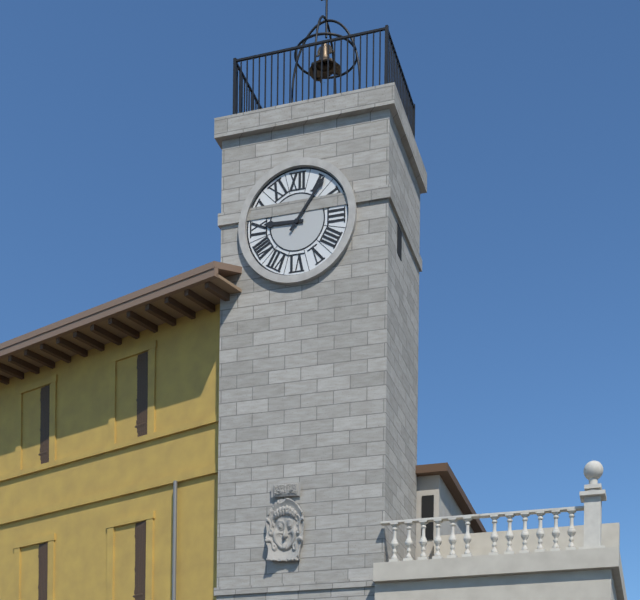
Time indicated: 9:06
